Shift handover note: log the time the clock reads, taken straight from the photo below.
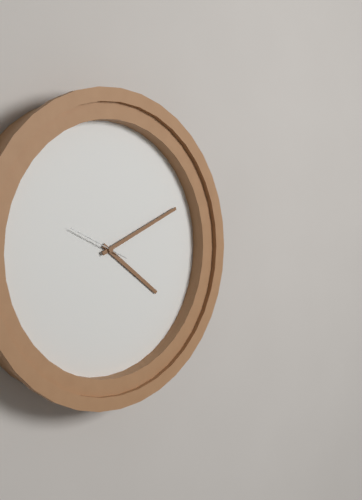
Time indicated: 4:11:49
